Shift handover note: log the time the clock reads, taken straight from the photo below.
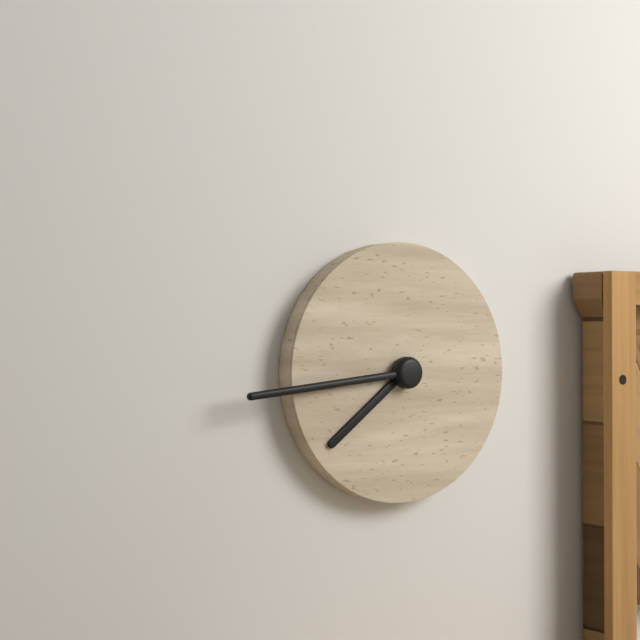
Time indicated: 7:44
